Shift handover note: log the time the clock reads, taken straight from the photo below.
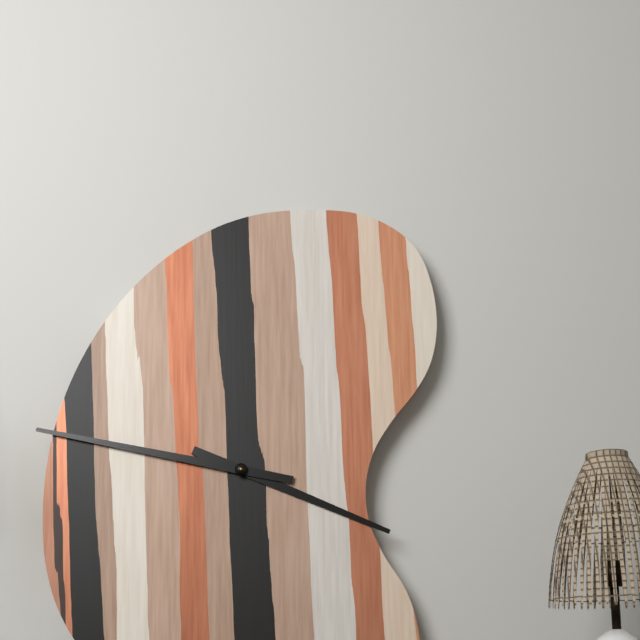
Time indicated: 3:47
